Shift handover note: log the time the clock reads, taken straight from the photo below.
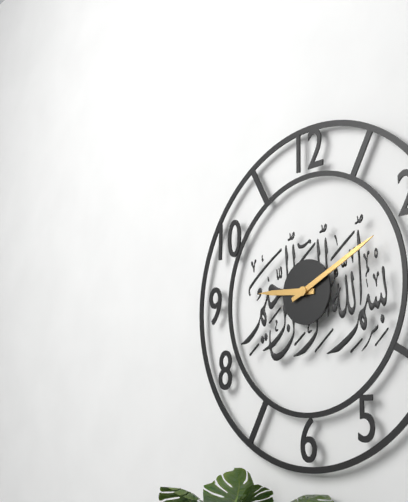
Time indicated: 9:11
